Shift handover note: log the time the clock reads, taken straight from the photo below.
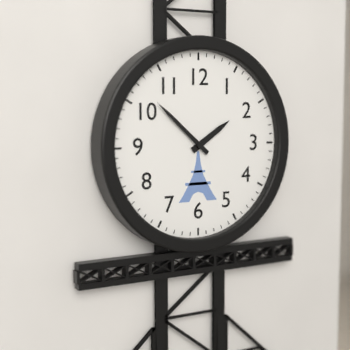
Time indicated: 1:52
